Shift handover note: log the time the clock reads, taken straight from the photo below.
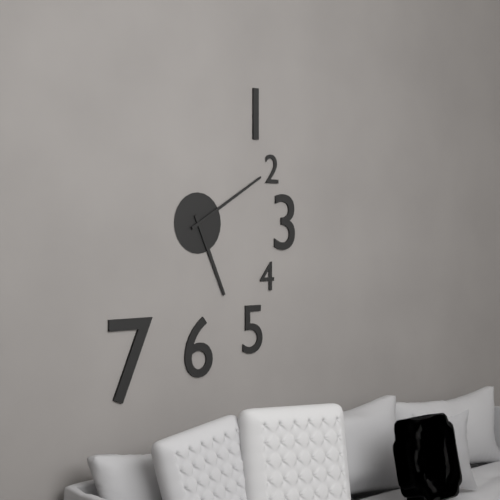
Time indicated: 5:10
